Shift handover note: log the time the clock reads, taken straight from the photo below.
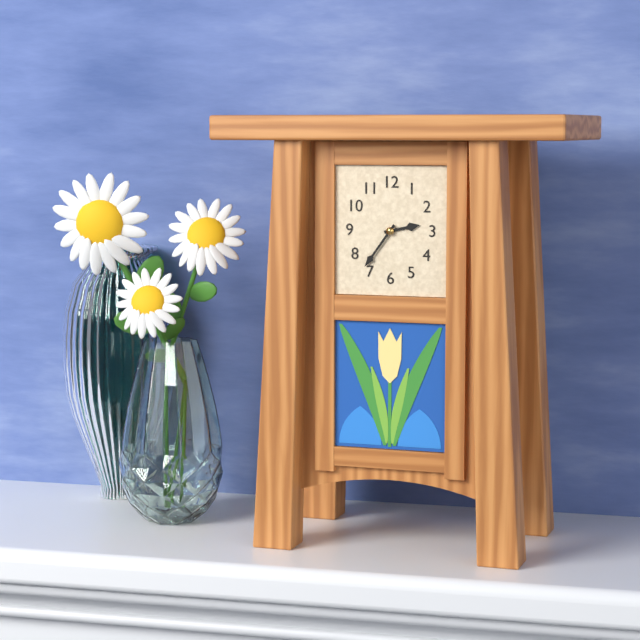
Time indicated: 2:36
